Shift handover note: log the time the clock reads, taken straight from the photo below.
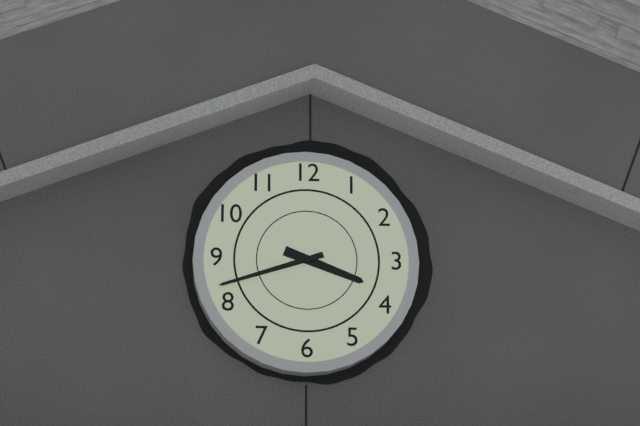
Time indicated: 3:42
